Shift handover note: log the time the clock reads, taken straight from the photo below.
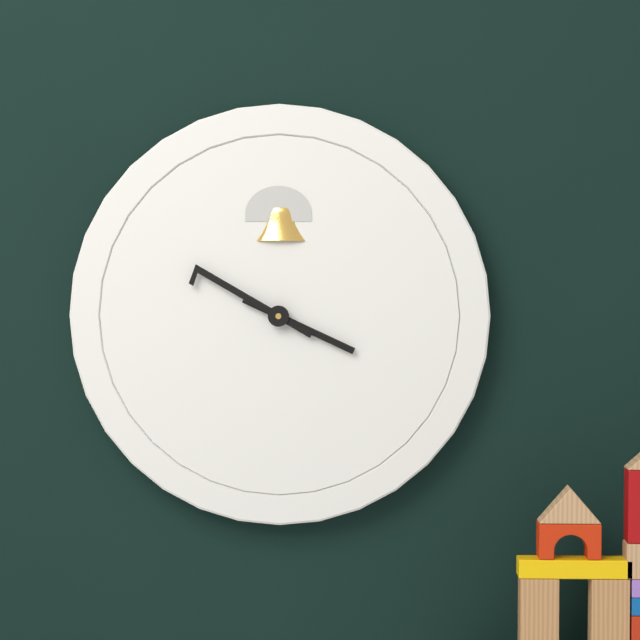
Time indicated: 3:50
